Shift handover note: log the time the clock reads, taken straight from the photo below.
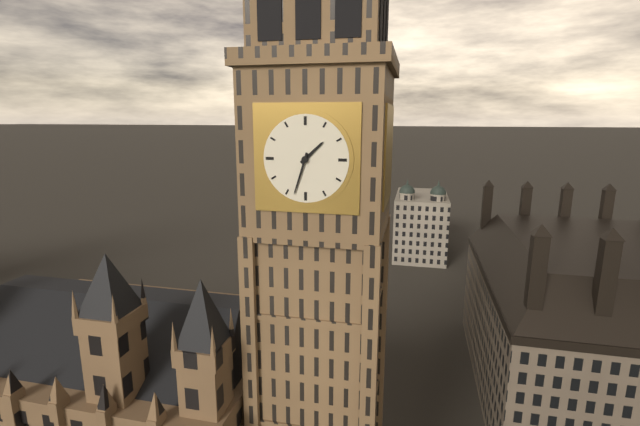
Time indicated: 1:33
